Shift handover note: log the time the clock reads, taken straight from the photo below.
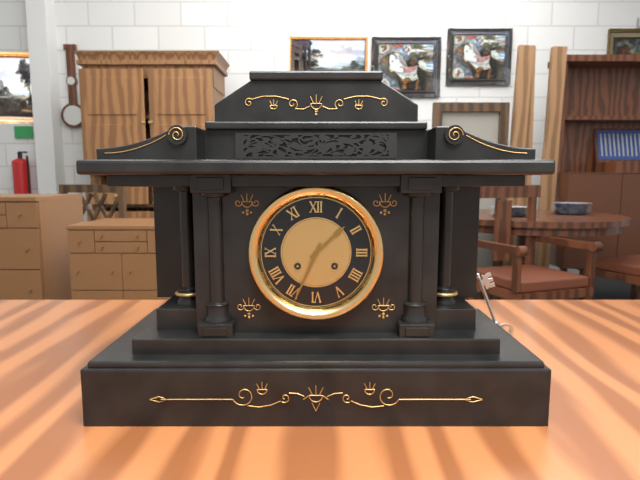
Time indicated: 1:34
